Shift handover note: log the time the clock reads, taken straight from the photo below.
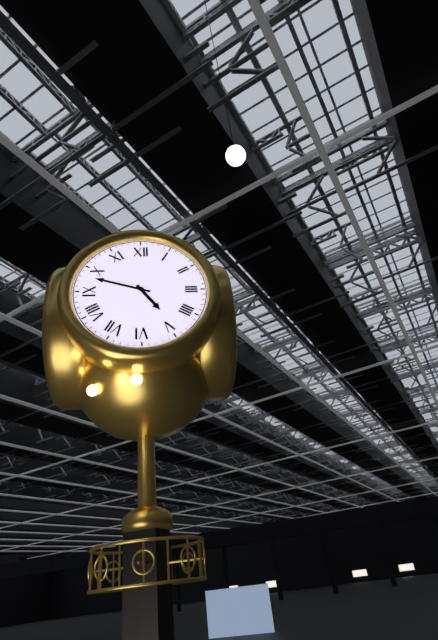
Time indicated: 4:48
